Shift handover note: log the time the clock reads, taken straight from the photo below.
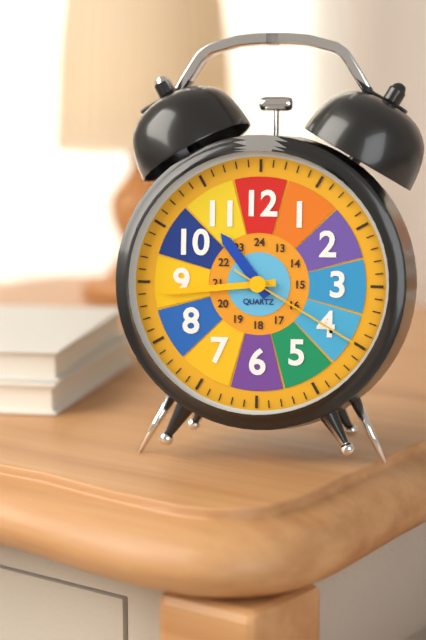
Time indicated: 10:44:20
